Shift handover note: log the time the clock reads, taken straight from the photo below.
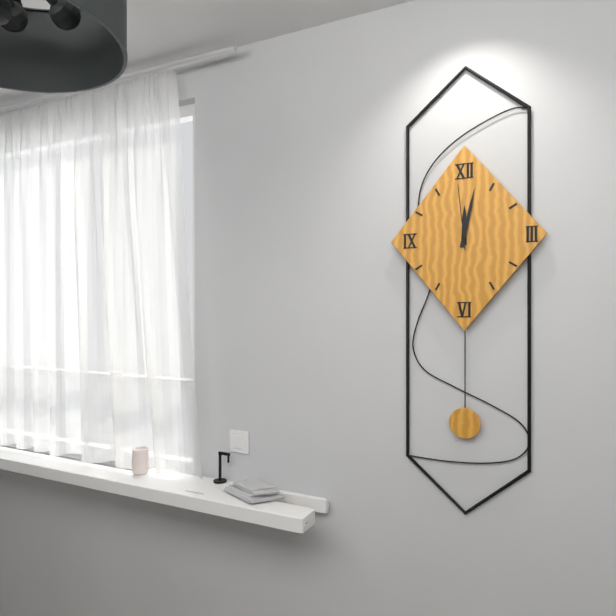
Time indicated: 12:02:59
